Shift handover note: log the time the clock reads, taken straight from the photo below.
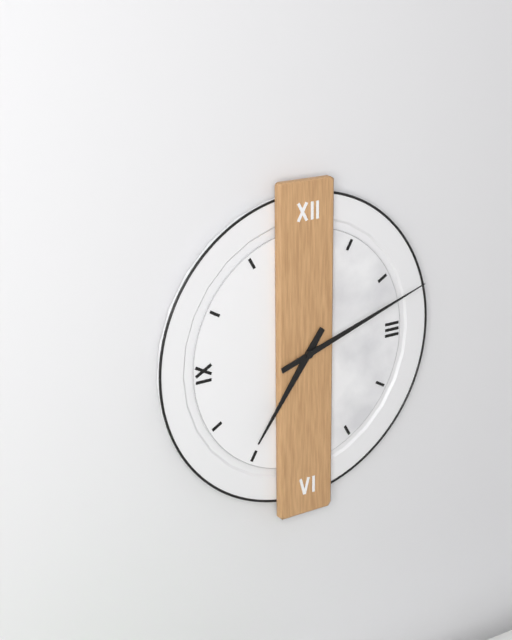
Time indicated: 7:12
